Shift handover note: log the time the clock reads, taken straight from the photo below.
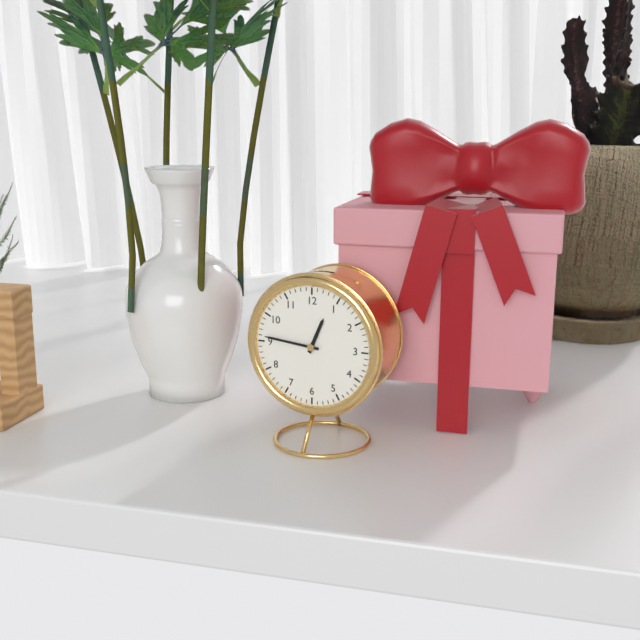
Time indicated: 12:46
